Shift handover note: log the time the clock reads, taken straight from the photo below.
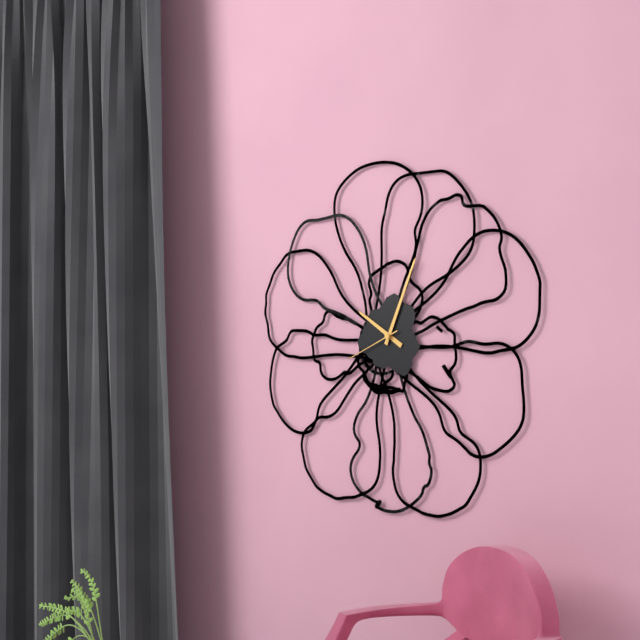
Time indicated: 10:04:41
